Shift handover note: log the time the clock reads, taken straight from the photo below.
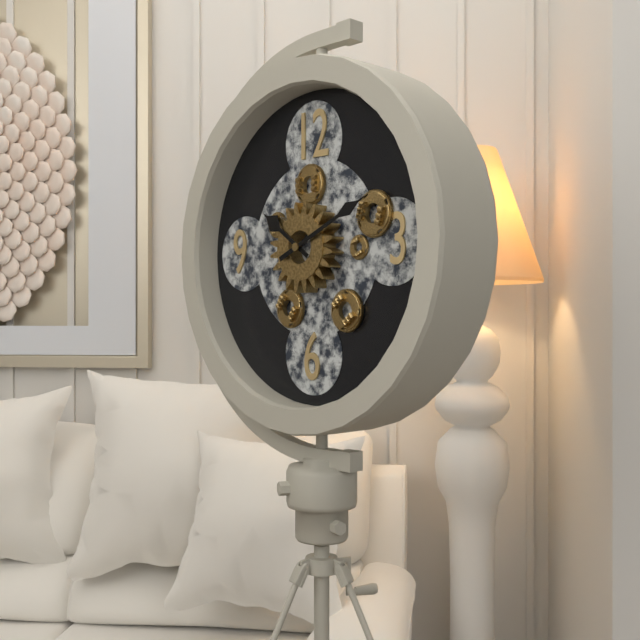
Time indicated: 10:11
